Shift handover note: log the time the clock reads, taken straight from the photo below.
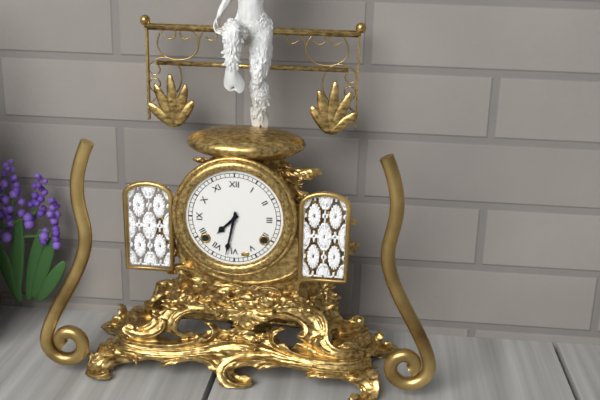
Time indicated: 7:32
